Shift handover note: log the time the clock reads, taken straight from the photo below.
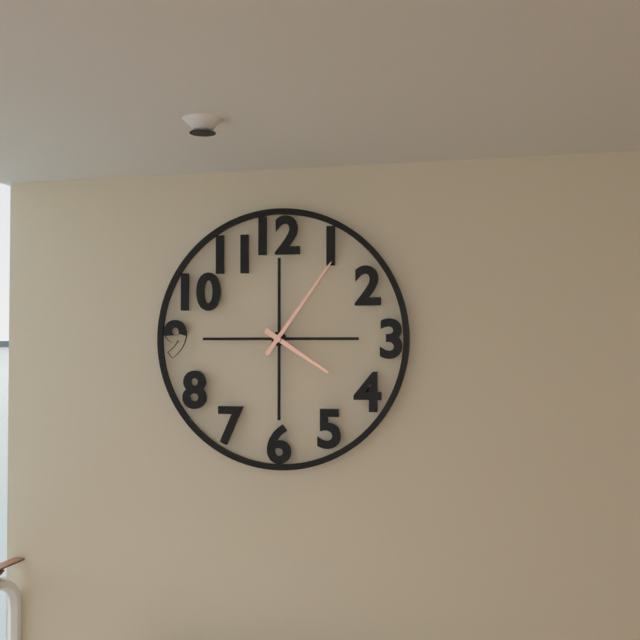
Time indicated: 4:06
